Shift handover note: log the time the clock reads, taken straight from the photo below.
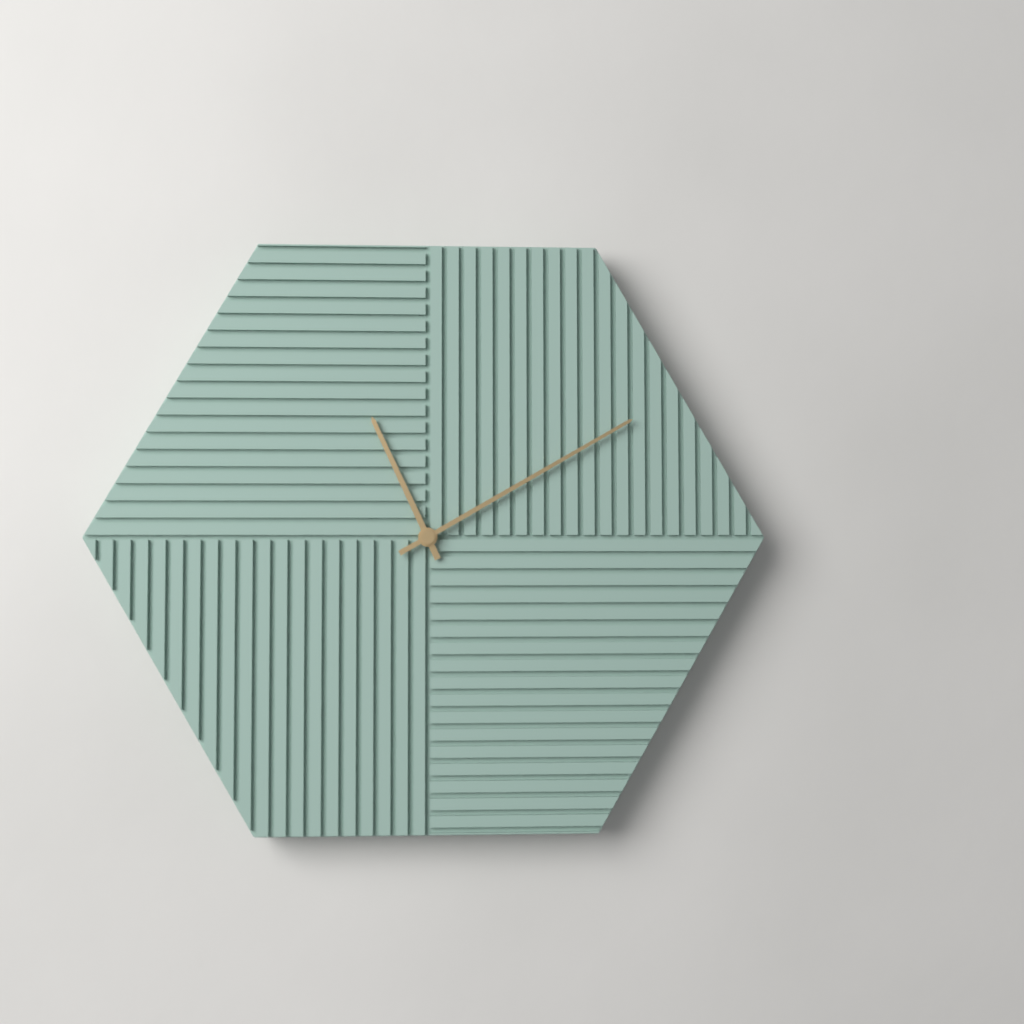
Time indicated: 11:10
